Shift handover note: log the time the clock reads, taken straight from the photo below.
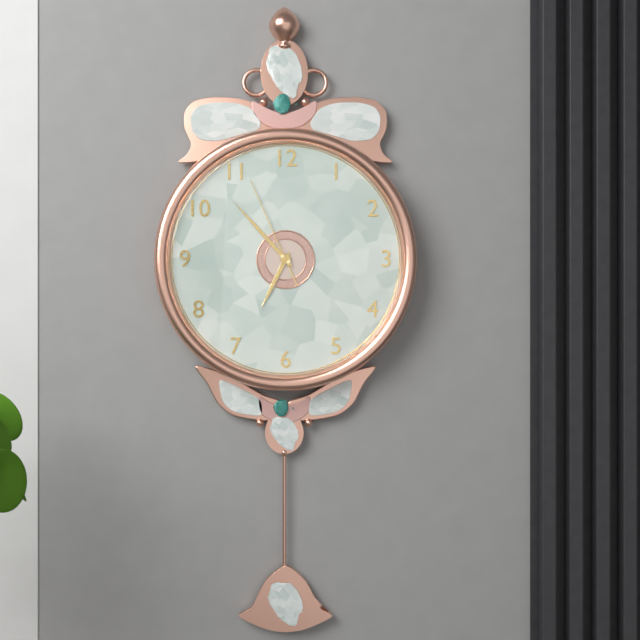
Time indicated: 6:53:56
